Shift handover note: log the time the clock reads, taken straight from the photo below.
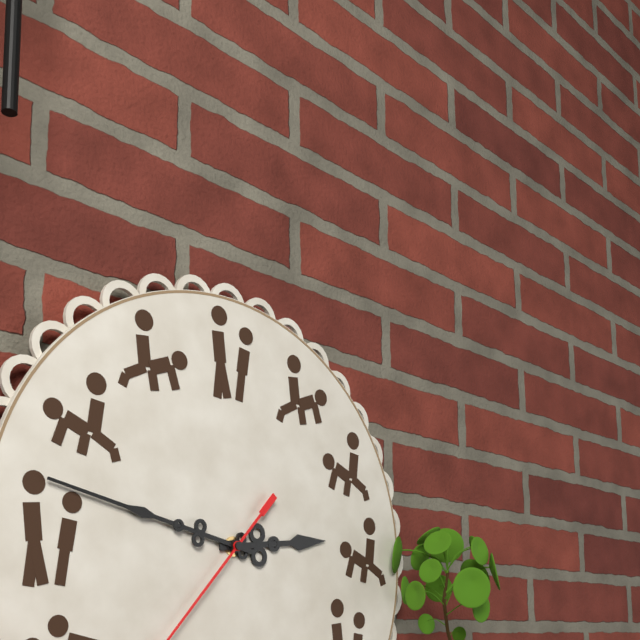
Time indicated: 2:47
